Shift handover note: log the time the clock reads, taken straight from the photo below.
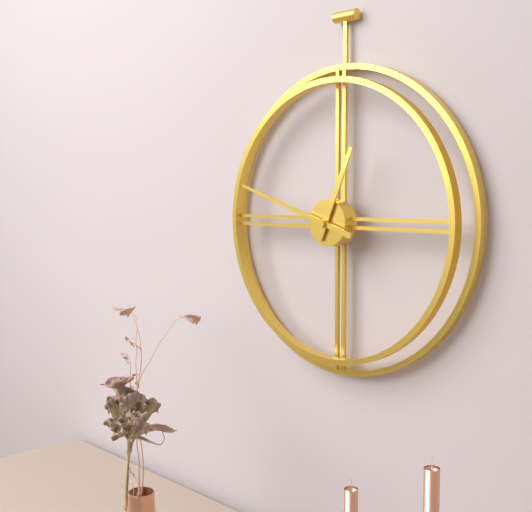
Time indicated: 12:48
